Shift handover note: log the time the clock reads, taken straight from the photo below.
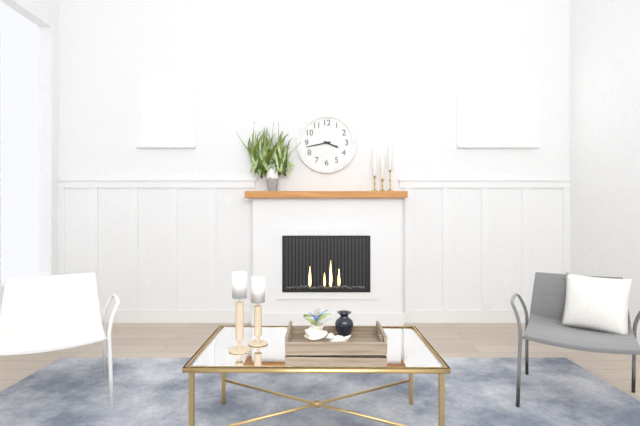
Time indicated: 3:43
